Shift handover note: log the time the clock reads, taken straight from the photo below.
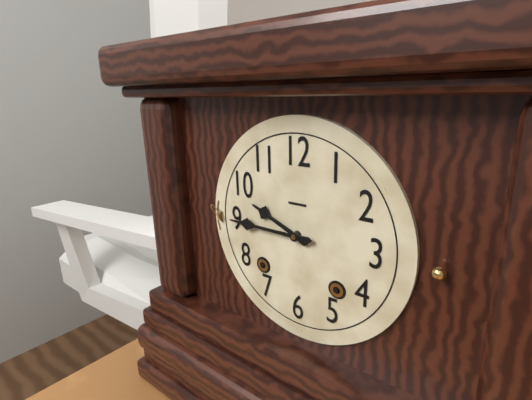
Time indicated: 9:45
